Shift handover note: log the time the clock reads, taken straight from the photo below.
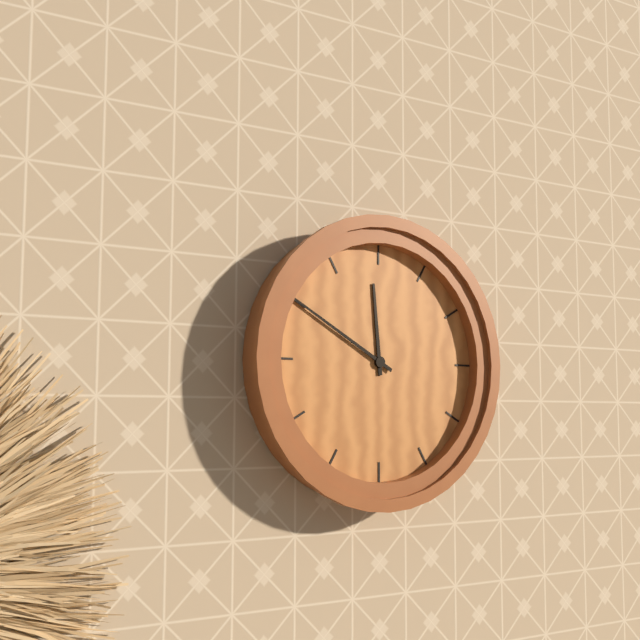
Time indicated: 11:50
